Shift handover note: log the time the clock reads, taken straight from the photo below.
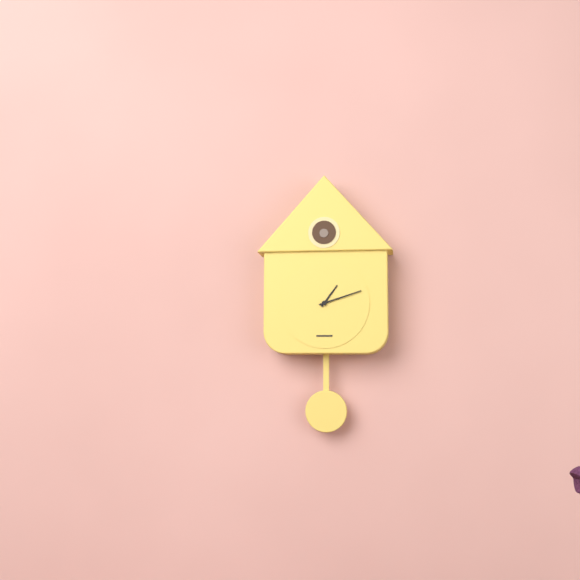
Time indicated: 1:12
